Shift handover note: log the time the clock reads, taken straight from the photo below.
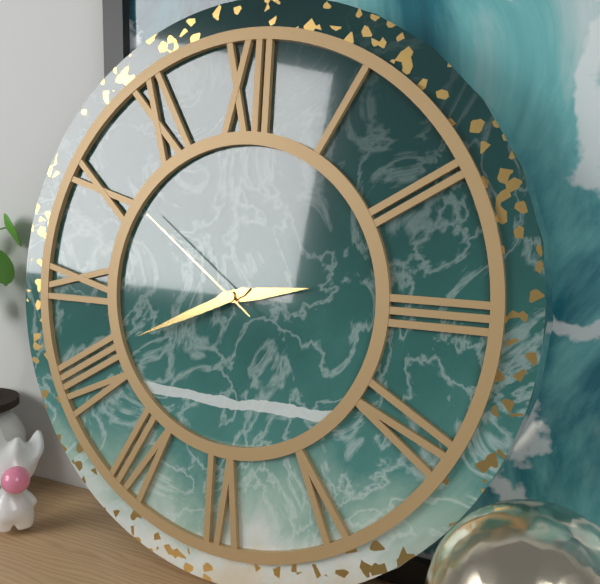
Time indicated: 2:41:51
